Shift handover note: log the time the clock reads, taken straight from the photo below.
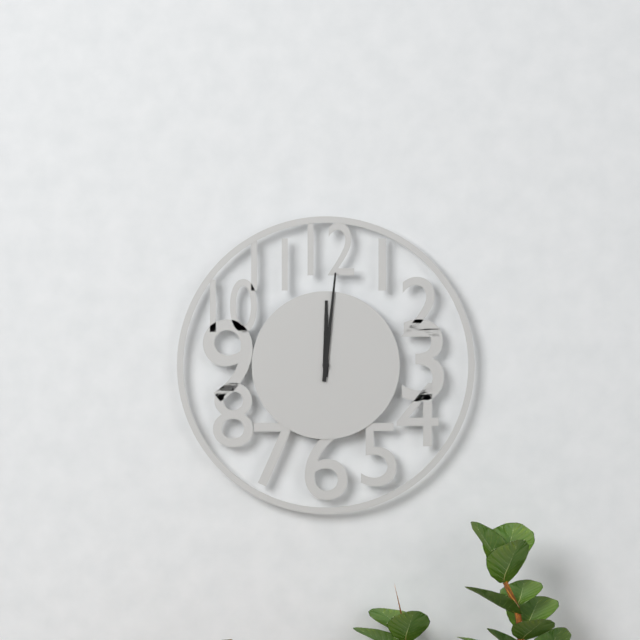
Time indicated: 12:01
